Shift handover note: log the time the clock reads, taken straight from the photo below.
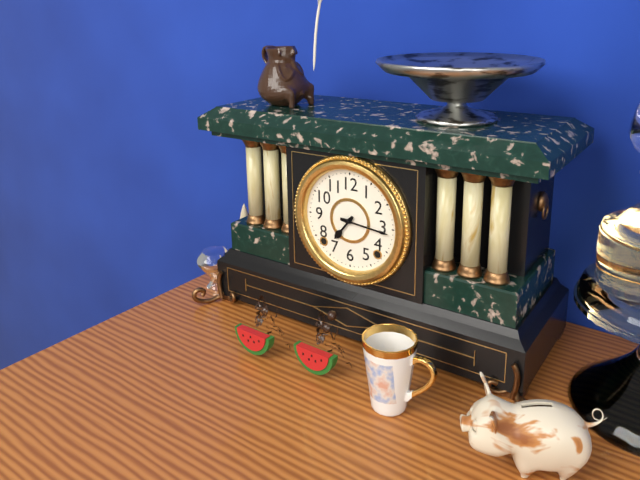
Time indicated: 7:16
